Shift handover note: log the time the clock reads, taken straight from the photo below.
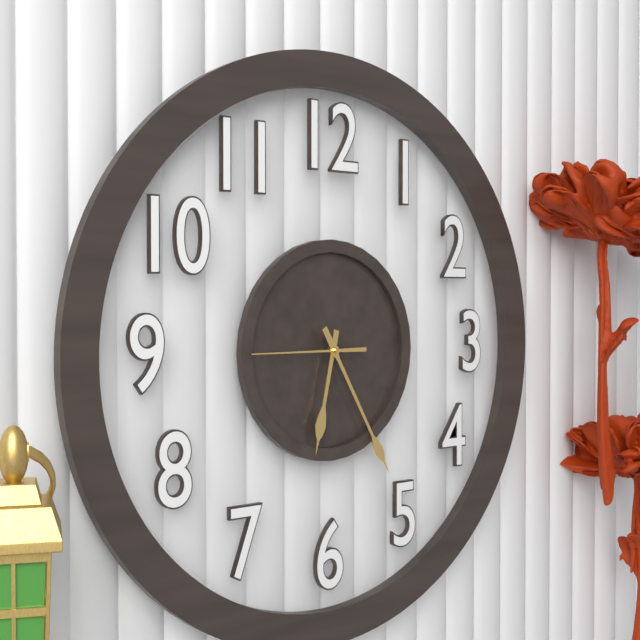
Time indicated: 6:25:45
